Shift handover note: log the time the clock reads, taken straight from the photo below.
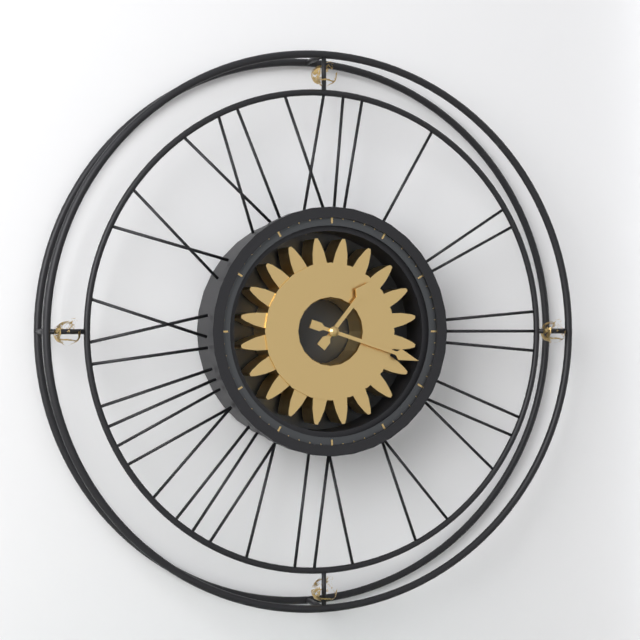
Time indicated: 1:18
